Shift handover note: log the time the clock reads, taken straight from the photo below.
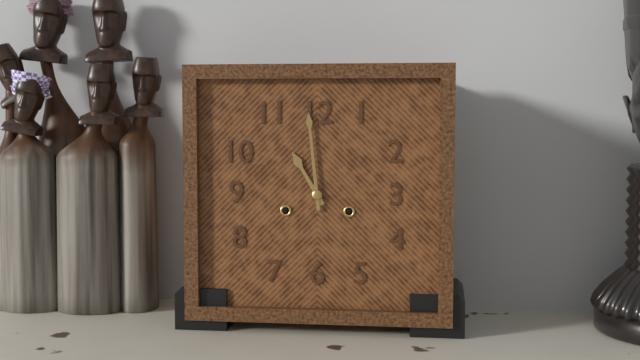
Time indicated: 10:59
